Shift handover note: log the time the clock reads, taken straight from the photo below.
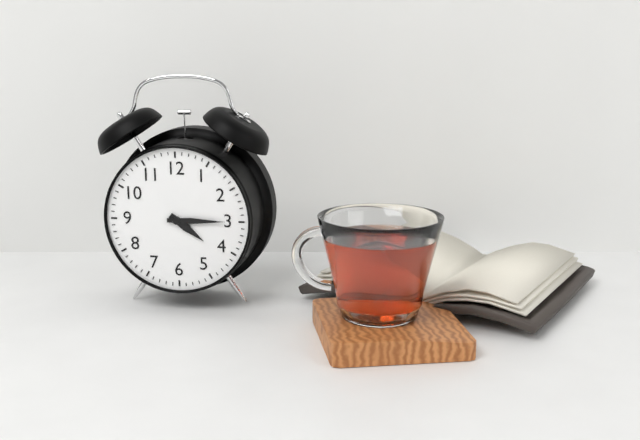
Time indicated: 4:15
